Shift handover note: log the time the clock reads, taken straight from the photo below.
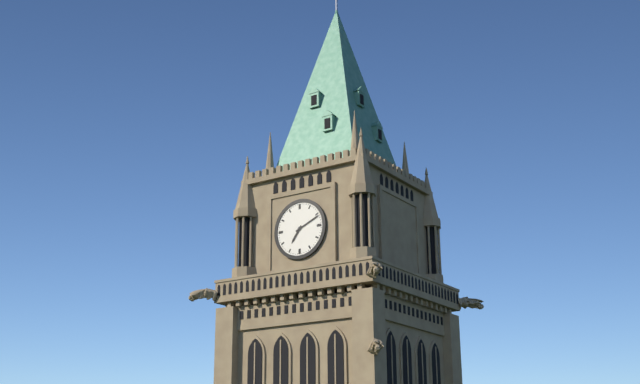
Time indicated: 7:11
